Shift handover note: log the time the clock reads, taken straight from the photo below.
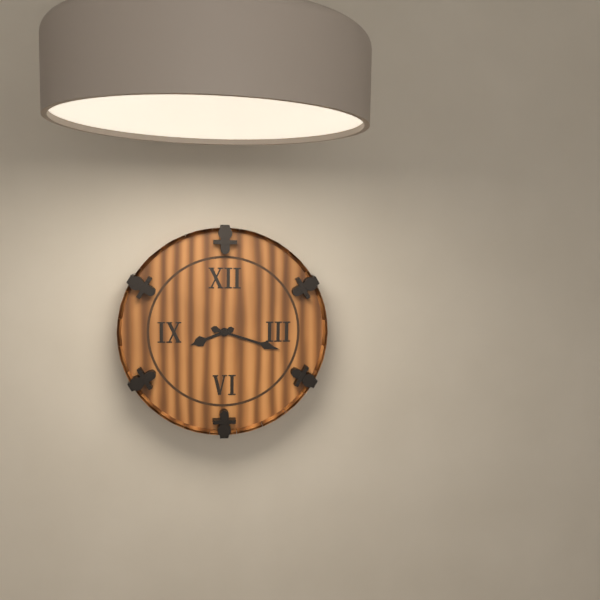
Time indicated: 8:18
